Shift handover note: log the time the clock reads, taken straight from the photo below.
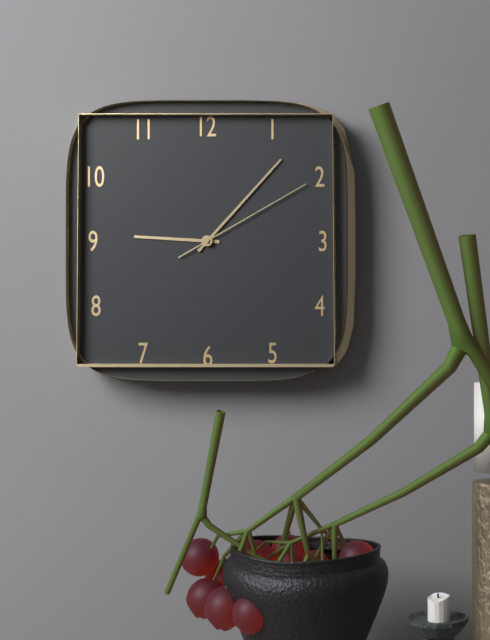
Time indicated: 9:07:10
